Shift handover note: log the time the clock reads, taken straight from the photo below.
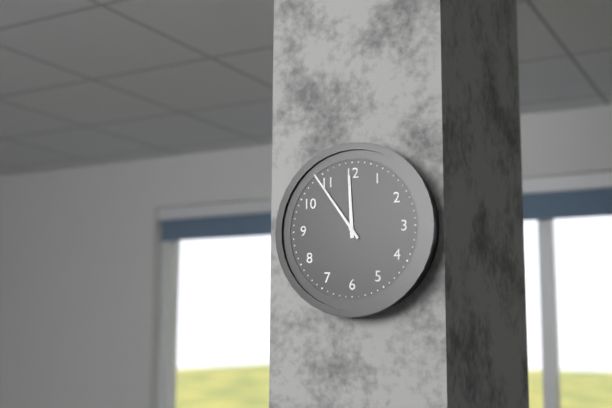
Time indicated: 11:54
